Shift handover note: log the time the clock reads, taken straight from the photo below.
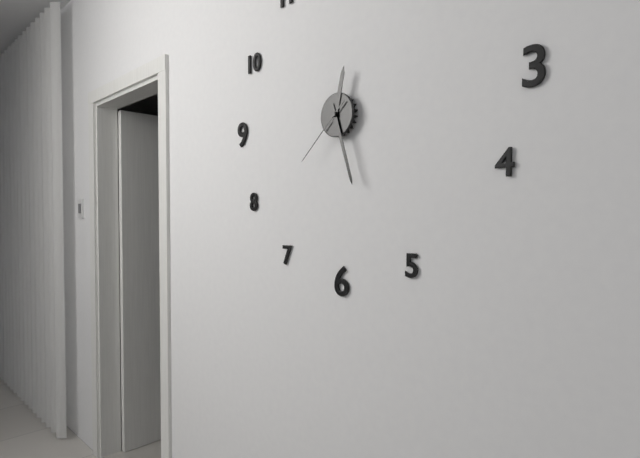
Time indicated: 12:27:38
